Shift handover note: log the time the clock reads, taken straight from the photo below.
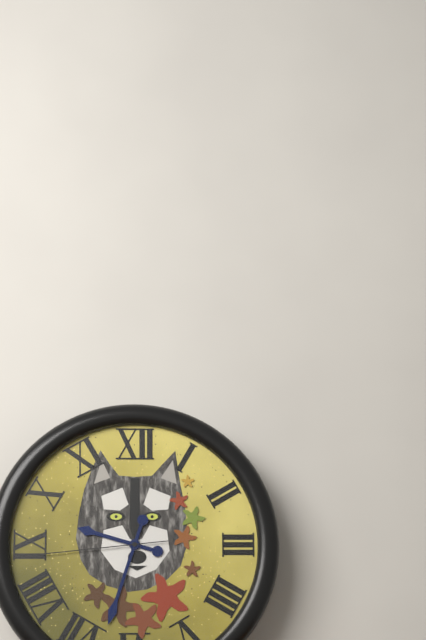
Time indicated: 9:33:44
